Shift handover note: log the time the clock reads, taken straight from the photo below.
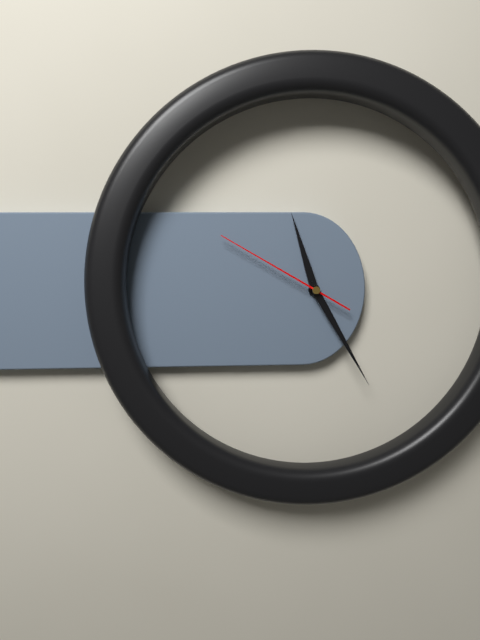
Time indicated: 11:25:50
